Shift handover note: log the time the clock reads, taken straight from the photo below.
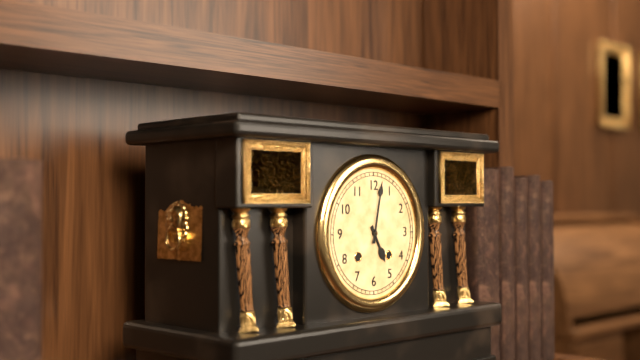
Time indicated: 5:02
